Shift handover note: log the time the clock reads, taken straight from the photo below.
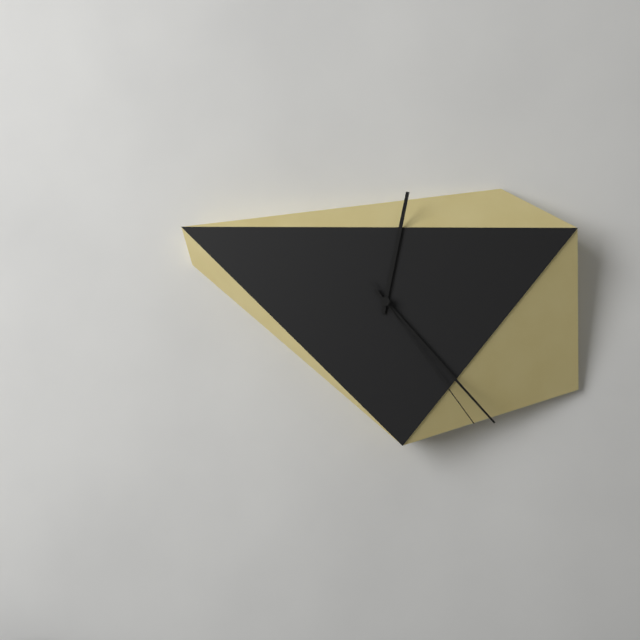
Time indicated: 12:23:24
